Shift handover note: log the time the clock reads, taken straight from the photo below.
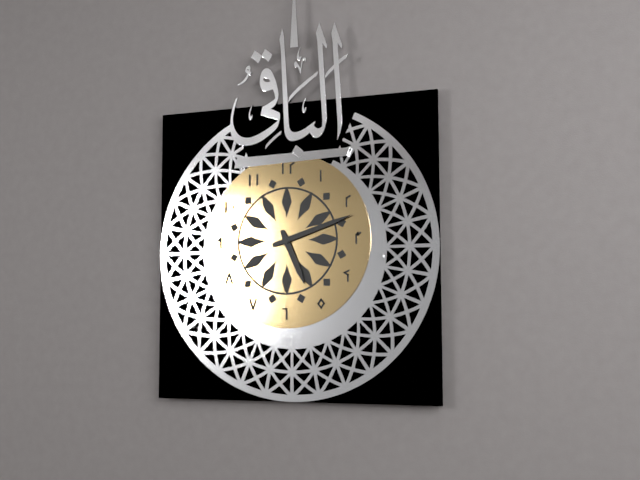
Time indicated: 5:12
